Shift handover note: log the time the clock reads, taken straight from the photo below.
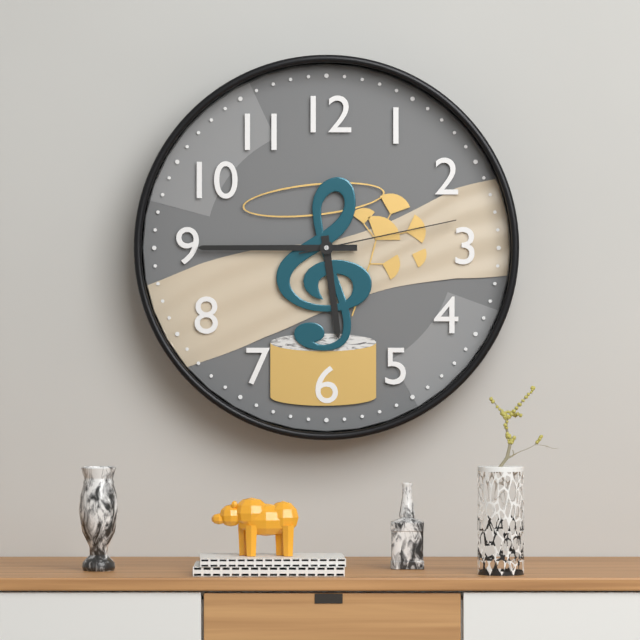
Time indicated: 5:45:13
